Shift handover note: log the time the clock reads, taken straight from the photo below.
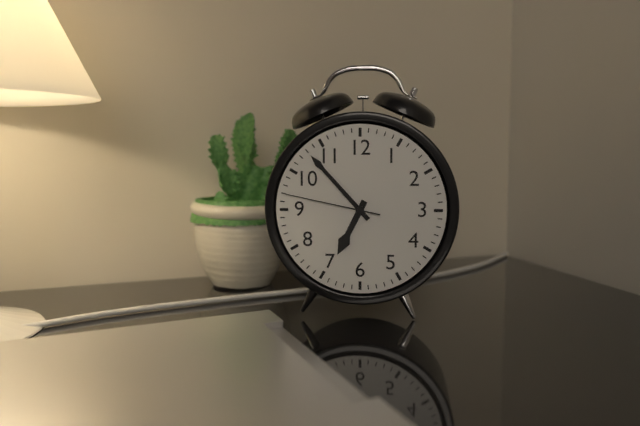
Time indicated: 6:53:47
